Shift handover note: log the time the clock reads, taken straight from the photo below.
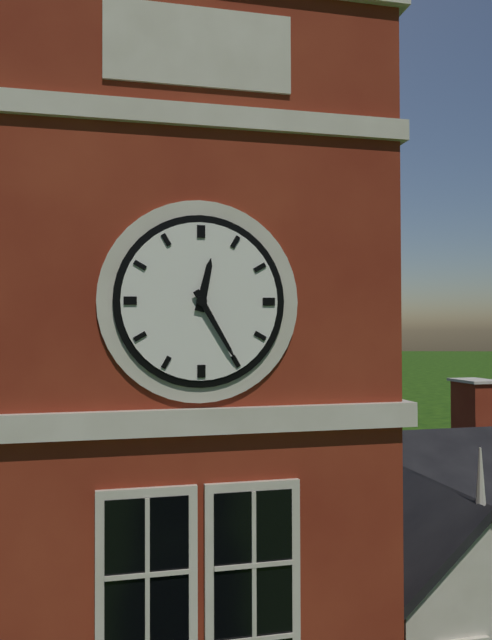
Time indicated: 12:25
